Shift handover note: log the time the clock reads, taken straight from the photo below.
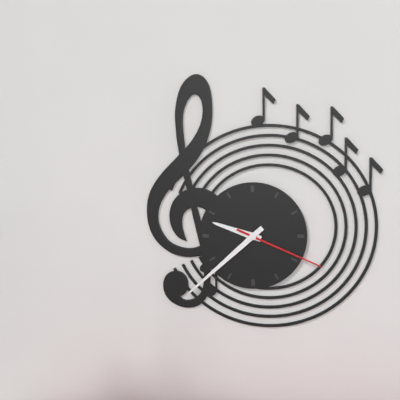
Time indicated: 9:38:19
